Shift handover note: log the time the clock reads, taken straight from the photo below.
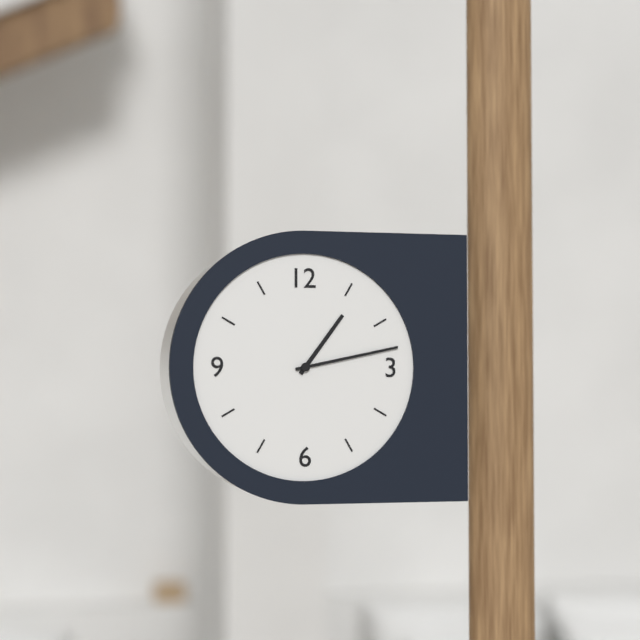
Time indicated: 1:13
